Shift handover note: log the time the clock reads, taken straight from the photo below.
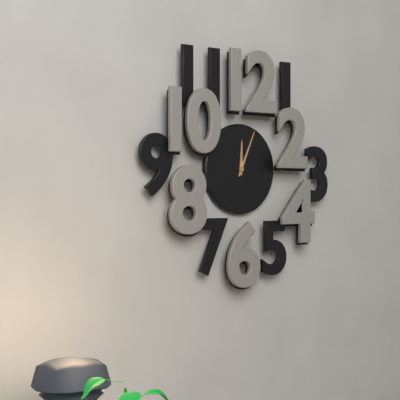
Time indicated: 12:04
